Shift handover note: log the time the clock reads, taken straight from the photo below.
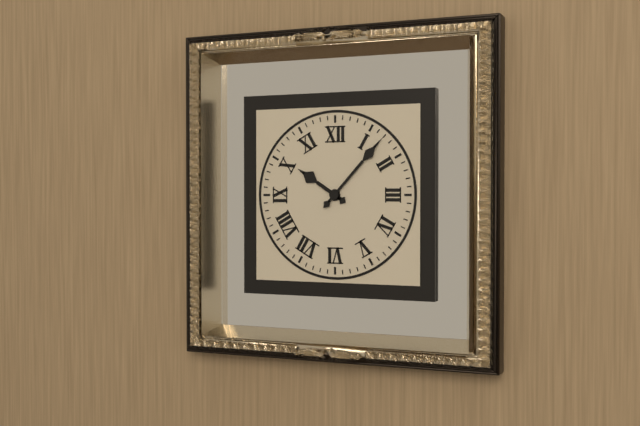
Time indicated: 10:07
